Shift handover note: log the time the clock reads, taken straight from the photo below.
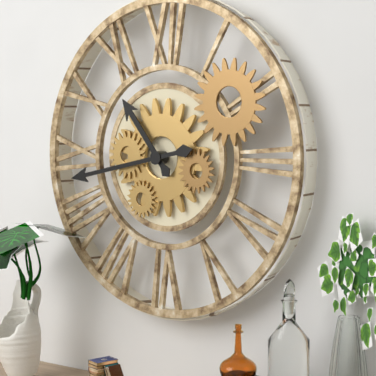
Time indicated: 10:43
